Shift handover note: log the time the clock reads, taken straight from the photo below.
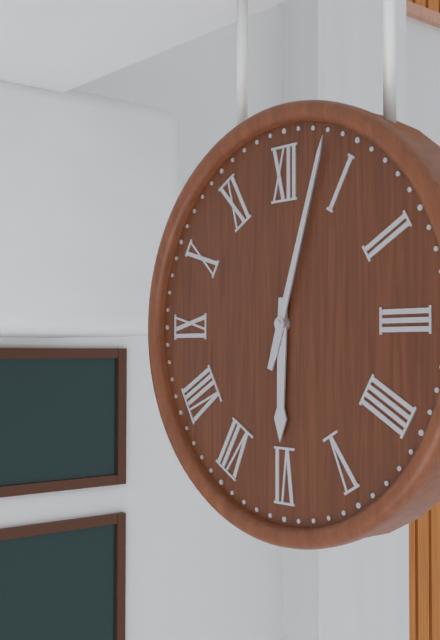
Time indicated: 6:03
